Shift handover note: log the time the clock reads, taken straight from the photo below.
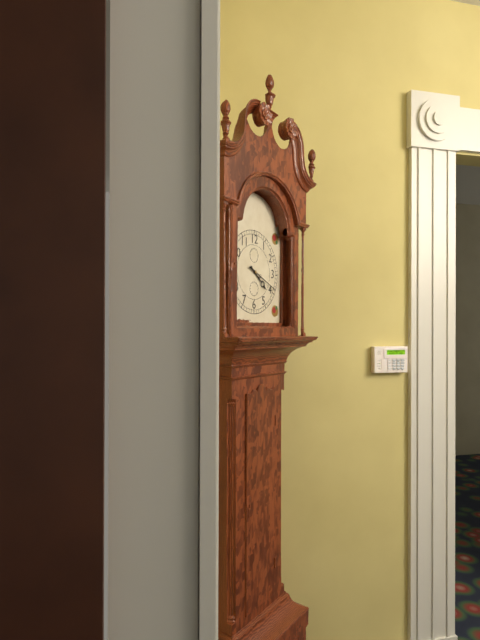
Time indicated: 4:19
